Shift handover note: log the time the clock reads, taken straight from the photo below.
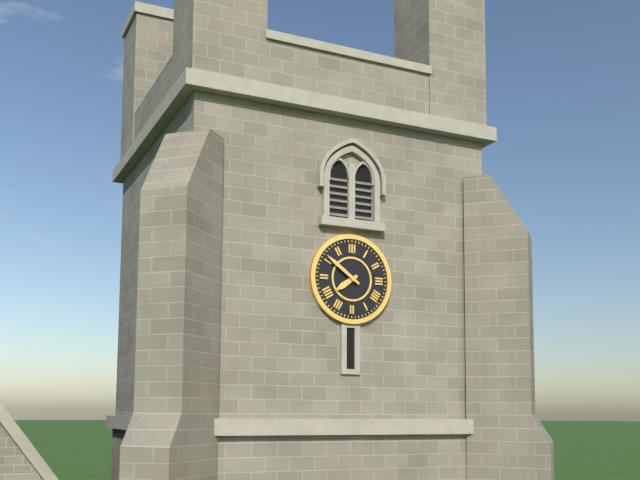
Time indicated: 7:51
